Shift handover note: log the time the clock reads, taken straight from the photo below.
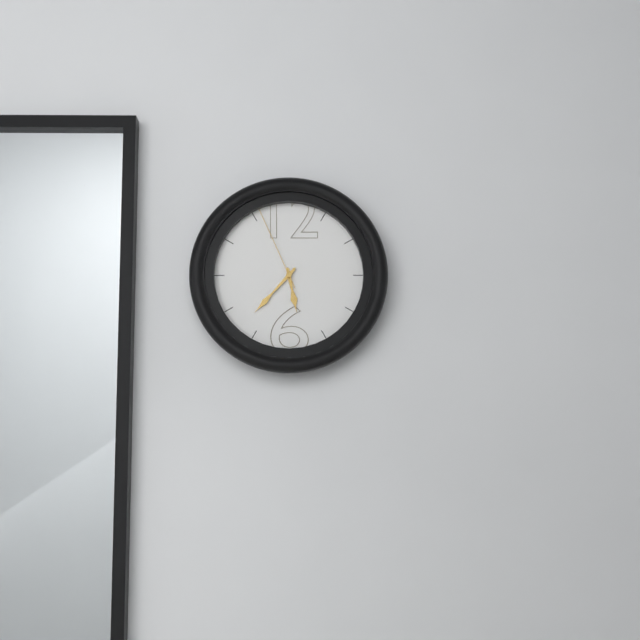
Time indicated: 5:37:56
